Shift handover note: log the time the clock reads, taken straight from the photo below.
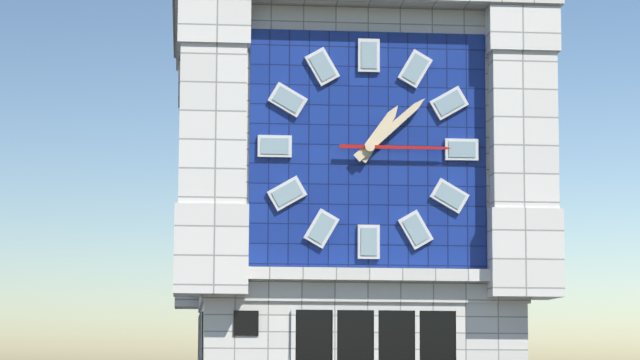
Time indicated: 1:08:15
